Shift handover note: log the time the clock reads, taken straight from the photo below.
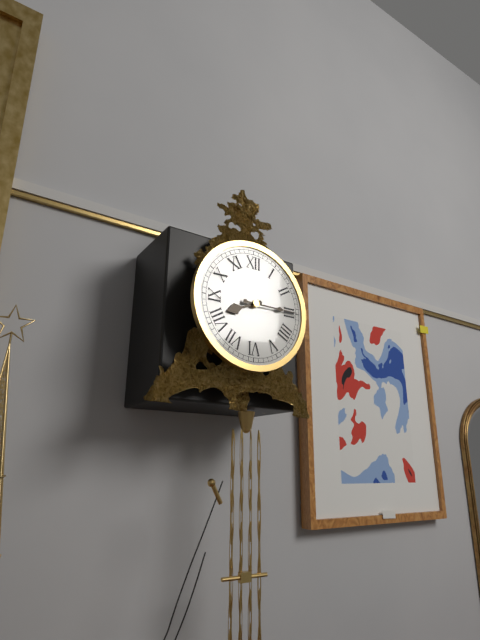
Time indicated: 8:15
